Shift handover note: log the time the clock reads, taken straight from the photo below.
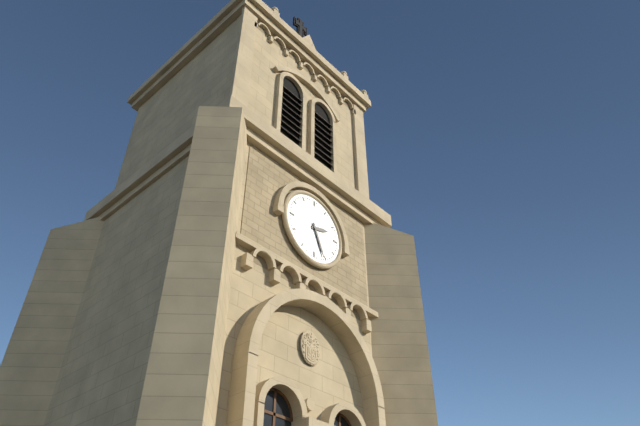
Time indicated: 2:26
